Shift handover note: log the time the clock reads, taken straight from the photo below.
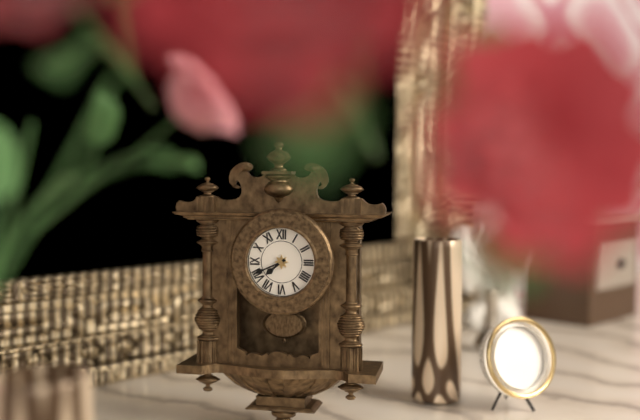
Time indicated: 7:41
